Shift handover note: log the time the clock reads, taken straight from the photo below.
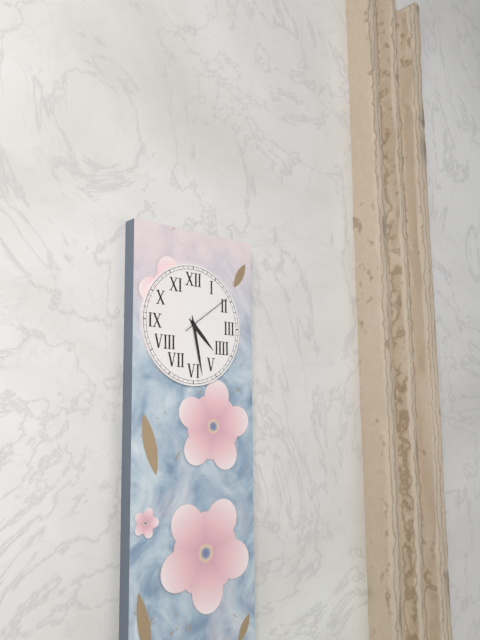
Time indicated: 4:28:09
